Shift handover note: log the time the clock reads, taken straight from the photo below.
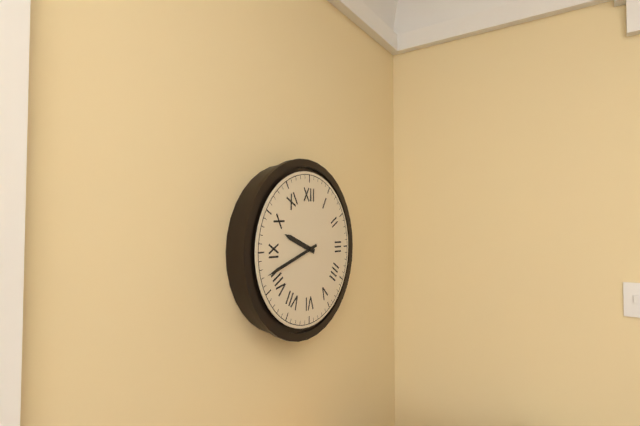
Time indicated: 9:42
